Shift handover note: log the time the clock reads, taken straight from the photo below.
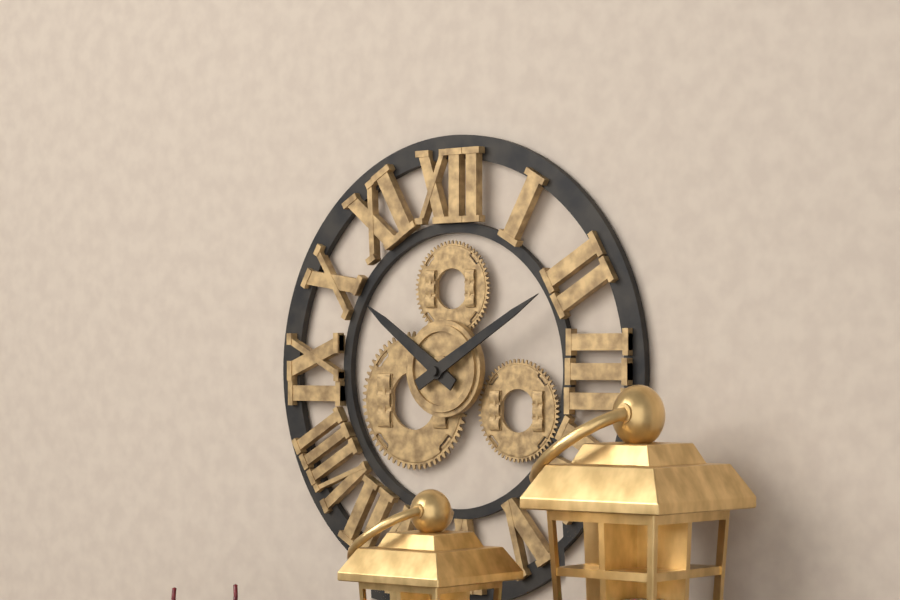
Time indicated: 10:10
